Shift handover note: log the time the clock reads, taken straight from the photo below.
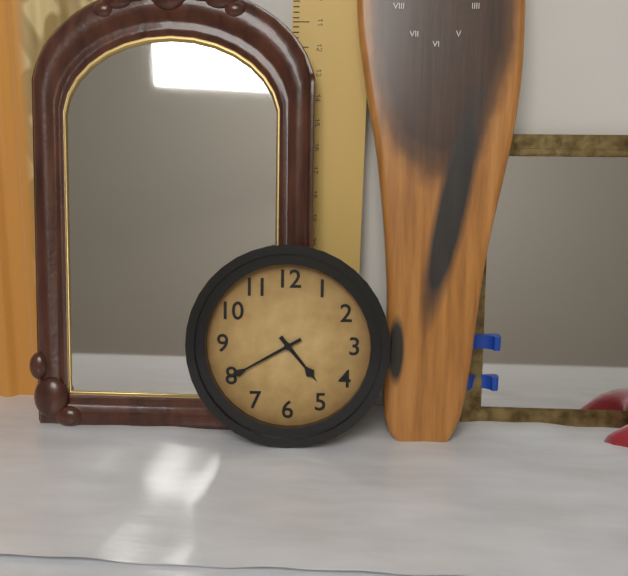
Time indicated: 4:40
